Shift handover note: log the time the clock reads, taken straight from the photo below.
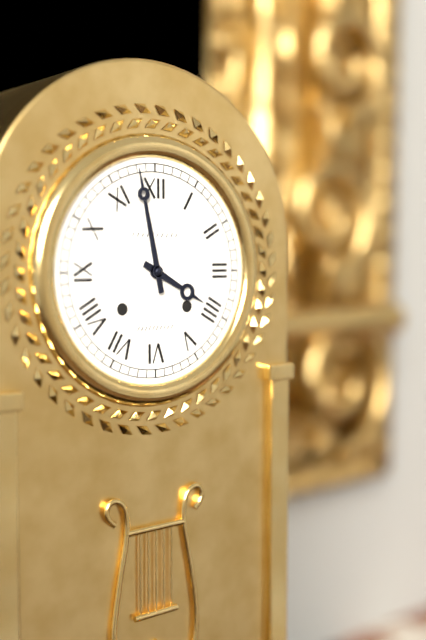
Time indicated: 3:58
